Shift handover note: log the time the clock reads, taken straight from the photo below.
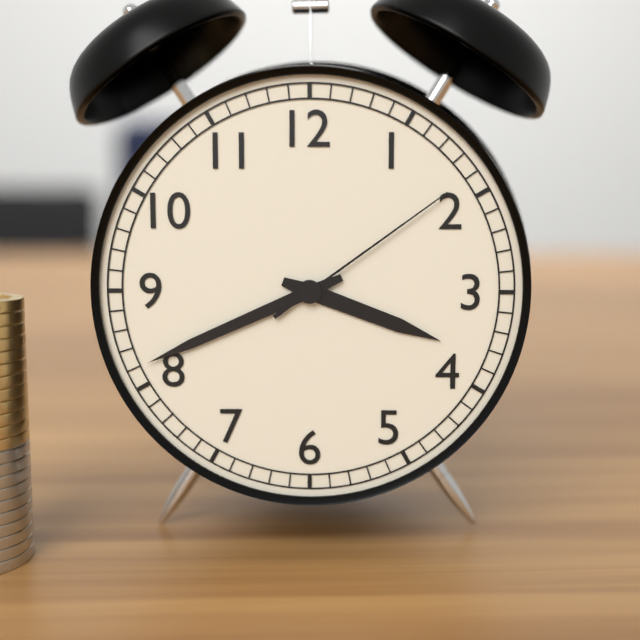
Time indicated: 3:41:09
